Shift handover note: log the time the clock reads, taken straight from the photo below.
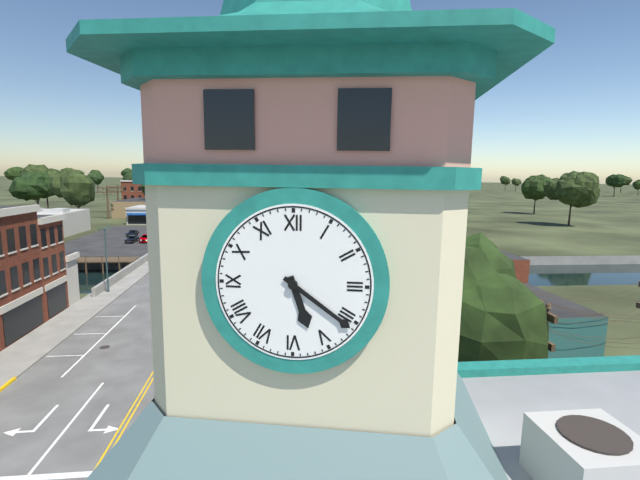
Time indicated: 5:21
